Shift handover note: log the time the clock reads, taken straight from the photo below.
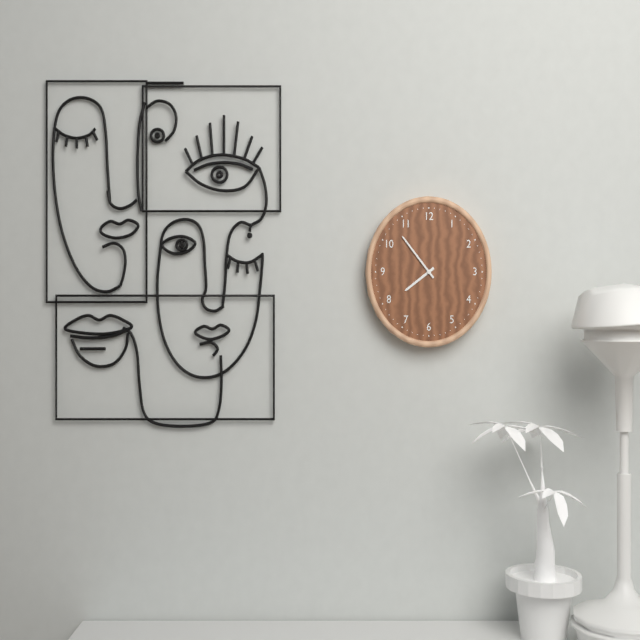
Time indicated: 7:53
